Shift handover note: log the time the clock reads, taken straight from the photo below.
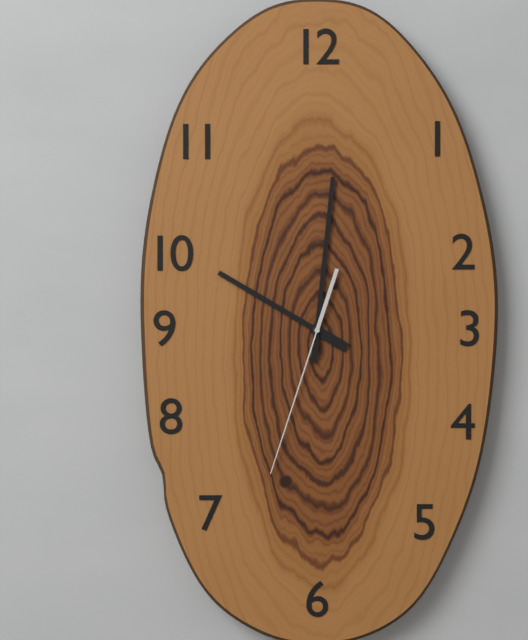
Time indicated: 10:01:33
